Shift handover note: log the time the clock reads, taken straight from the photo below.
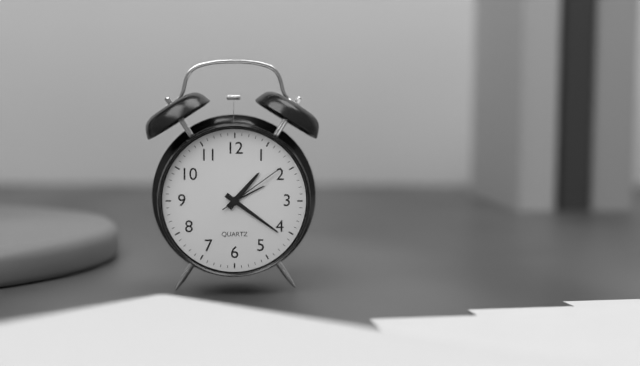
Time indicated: 1:21:09
